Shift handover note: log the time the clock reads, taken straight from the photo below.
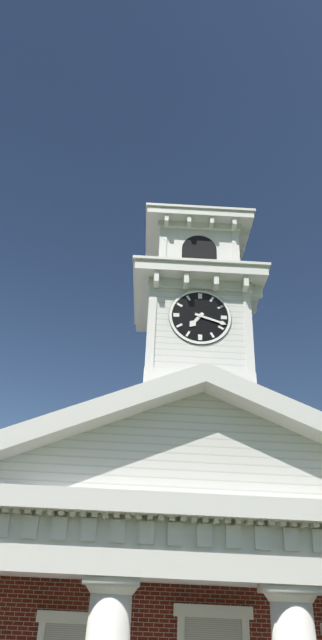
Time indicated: 7:18
